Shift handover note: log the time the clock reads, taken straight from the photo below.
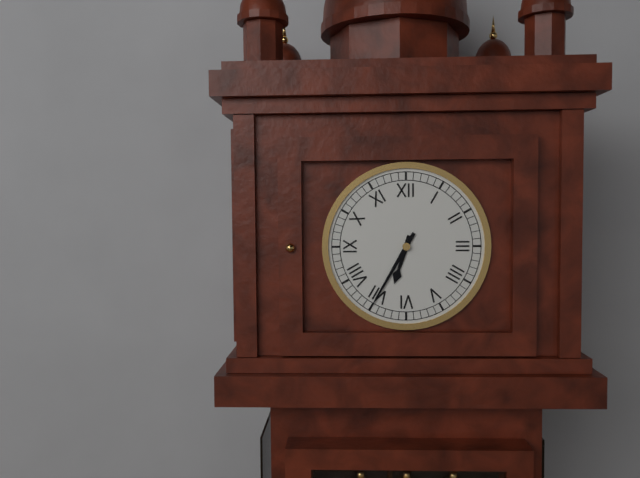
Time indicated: 6:35
